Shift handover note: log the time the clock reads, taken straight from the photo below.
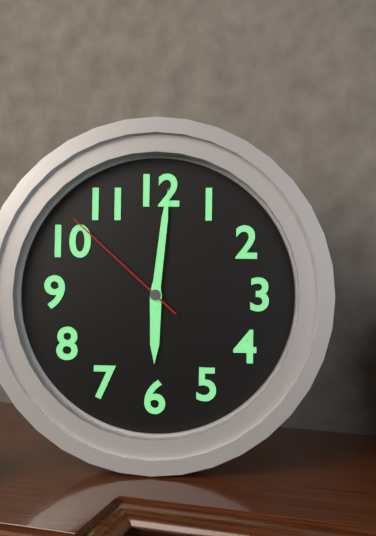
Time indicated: 6:01:52
